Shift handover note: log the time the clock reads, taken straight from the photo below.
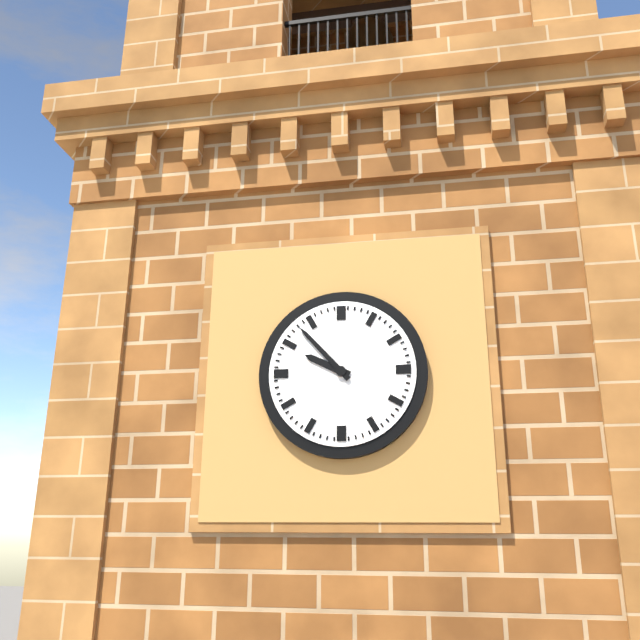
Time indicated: 9:53
